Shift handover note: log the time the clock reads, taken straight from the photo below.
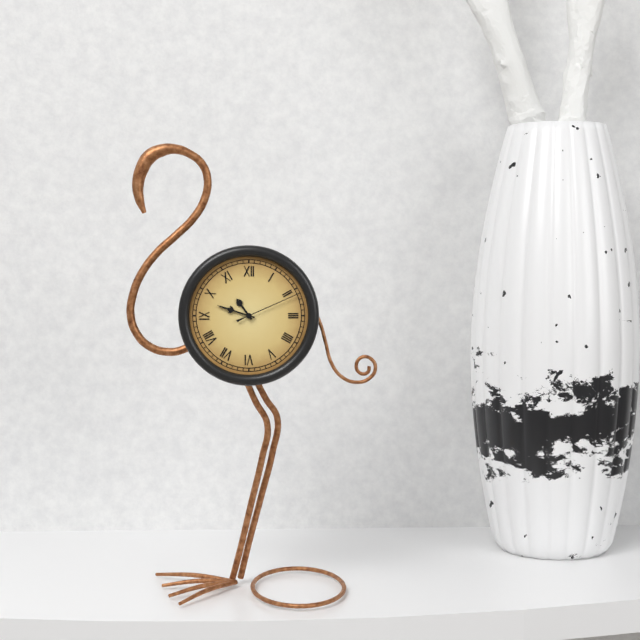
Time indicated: 10:48:11
